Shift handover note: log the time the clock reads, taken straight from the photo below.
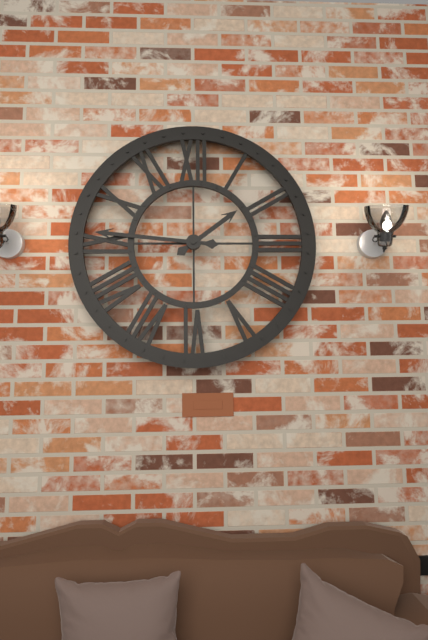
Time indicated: 1:46
